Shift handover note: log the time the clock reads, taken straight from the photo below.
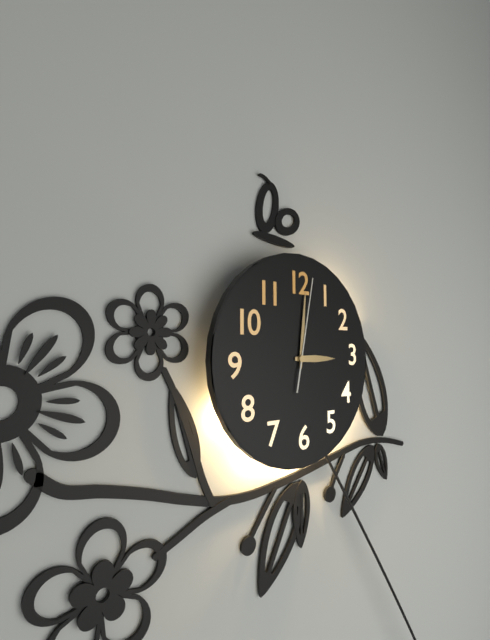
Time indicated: 3:01:02
